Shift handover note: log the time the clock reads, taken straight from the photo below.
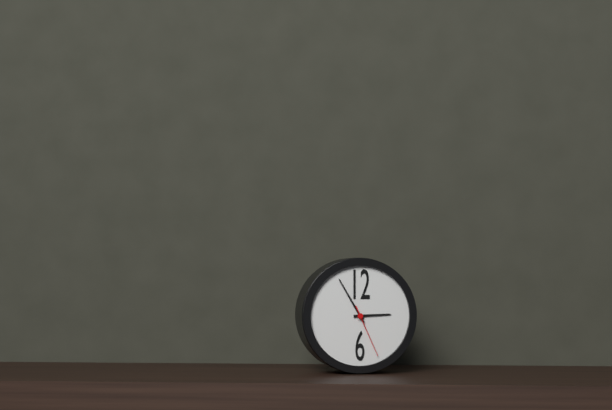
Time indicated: 2:55:26
